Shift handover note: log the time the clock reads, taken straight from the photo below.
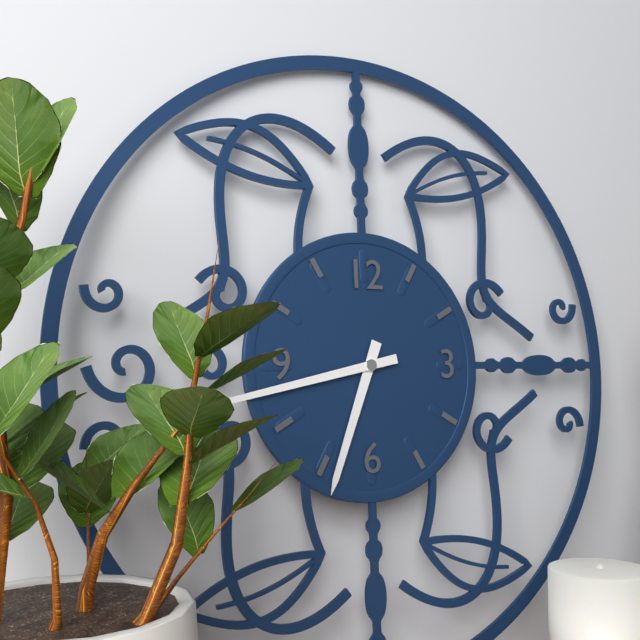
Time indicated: 6:43
